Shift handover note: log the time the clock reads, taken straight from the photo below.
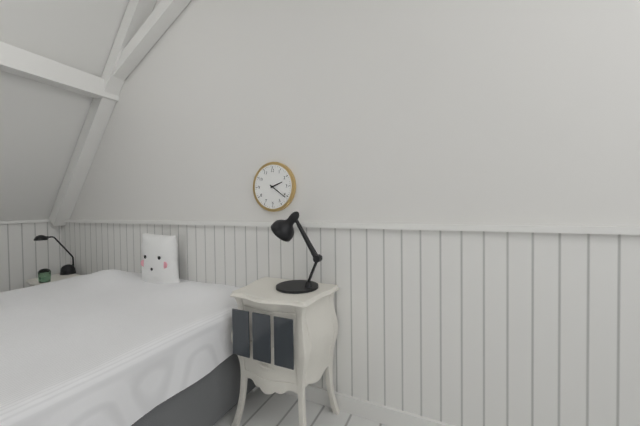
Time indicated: 2:21
